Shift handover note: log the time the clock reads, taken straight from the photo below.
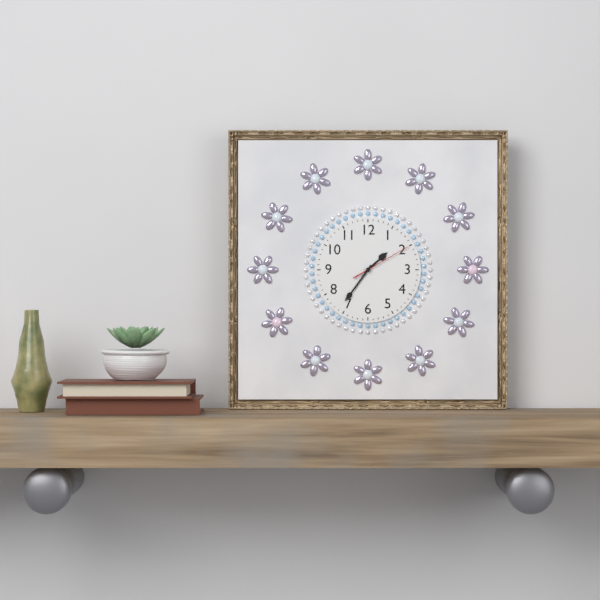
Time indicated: 1:36:10
